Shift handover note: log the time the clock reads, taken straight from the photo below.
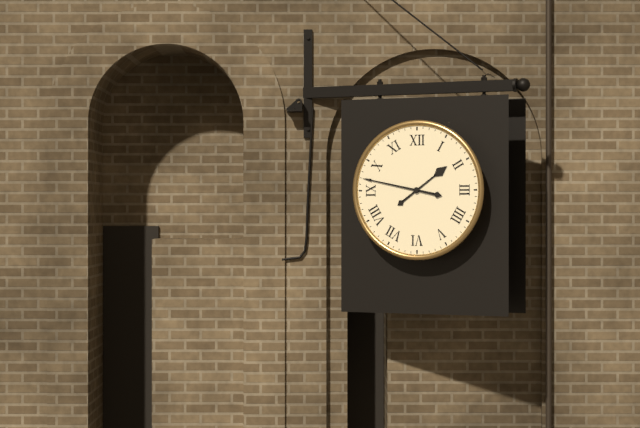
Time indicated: 1:47
